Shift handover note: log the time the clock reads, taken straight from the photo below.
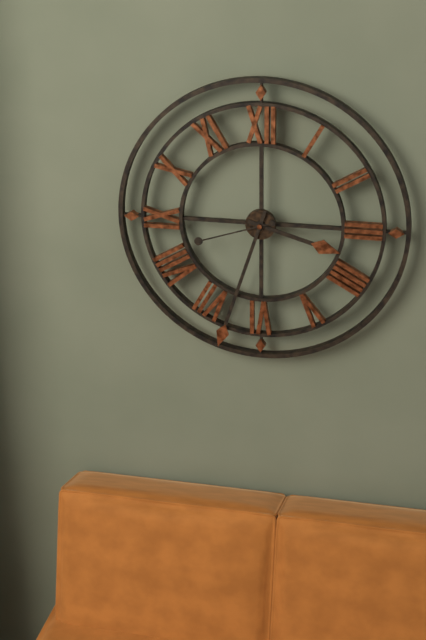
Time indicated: 3:33:42
